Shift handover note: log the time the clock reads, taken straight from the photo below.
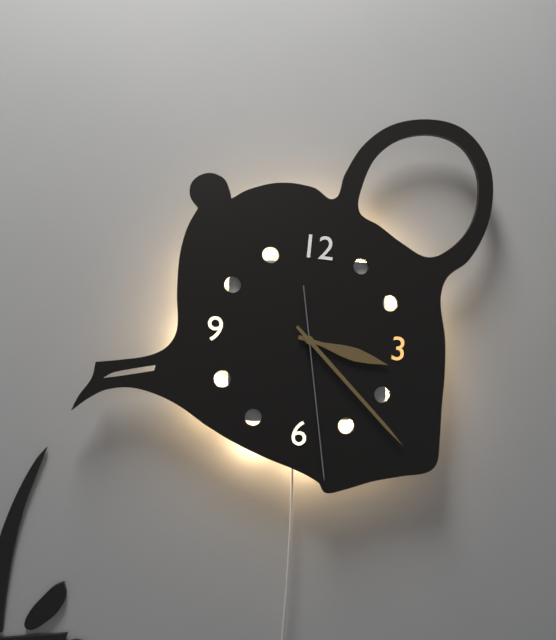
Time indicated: 3:22:28
